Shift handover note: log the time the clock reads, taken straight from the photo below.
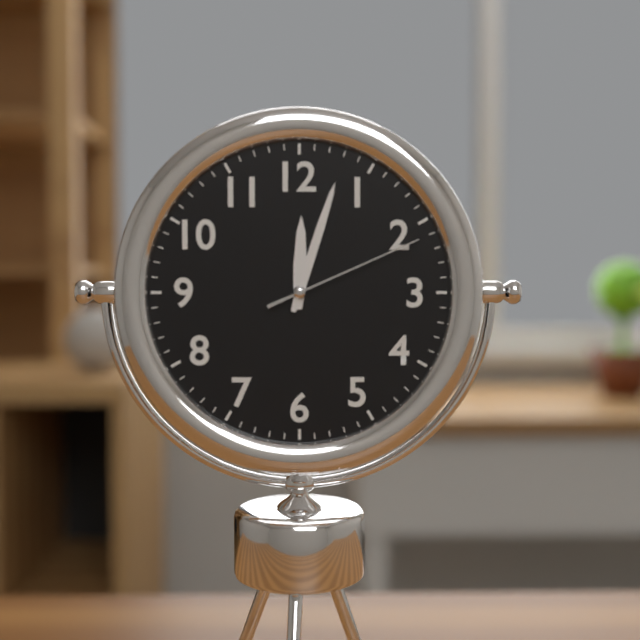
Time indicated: 12:03:11
